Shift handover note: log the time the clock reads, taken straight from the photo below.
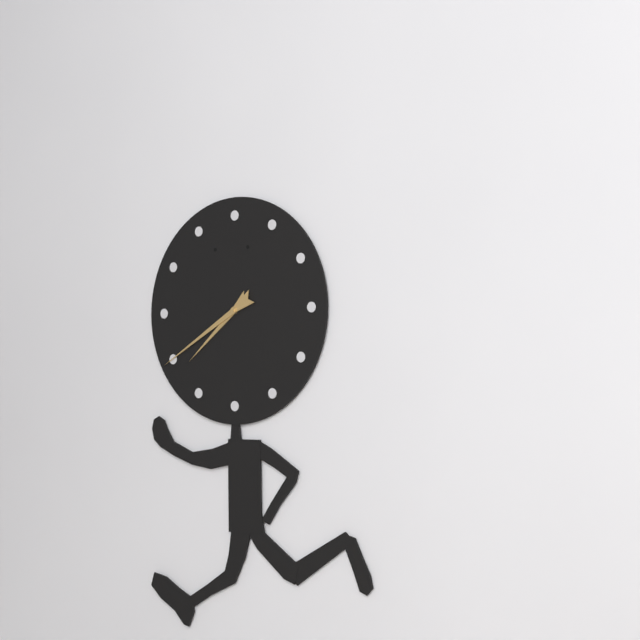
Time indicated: 7:40
